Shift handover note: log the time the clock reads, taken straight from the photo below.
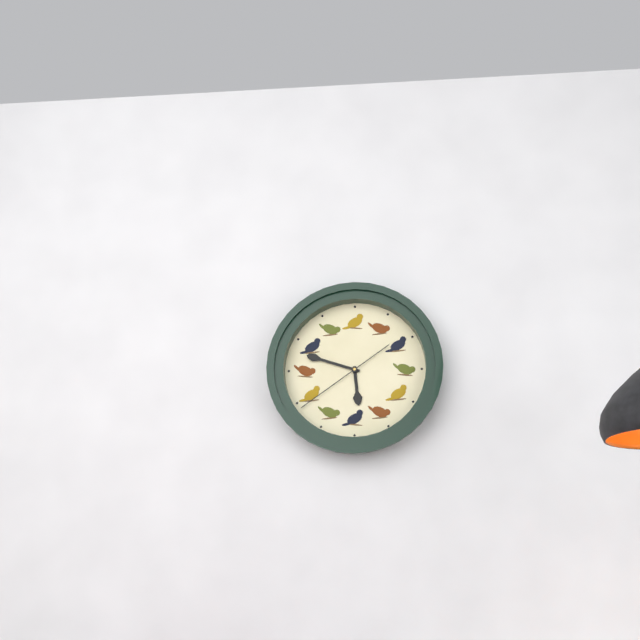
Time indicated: 5:48:39
